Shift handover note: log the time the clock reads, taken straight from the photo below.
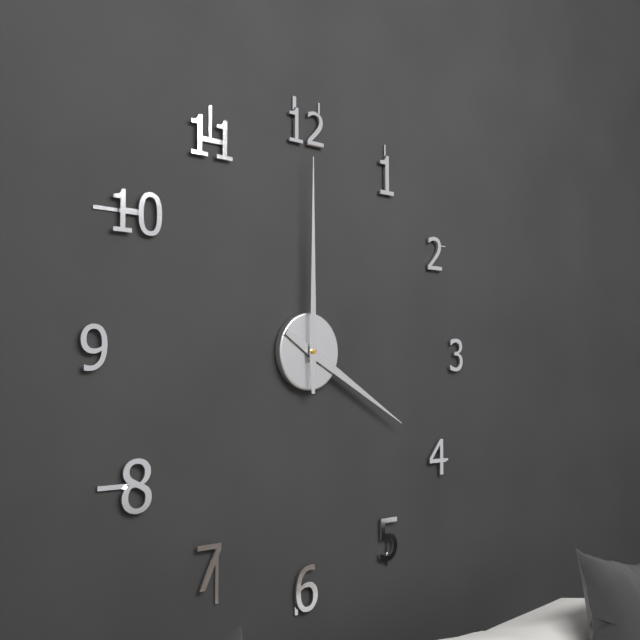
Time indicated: 4:00
